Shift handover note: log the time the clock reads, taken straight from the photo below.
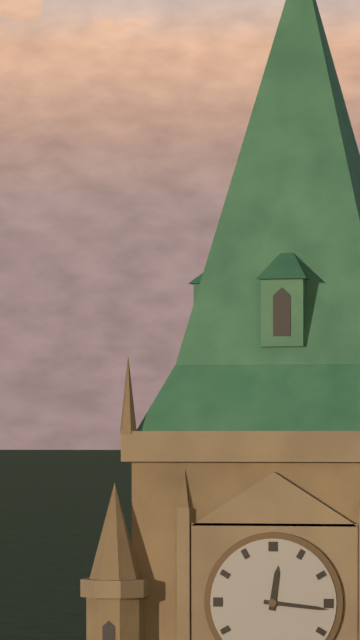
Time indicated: 12:16
